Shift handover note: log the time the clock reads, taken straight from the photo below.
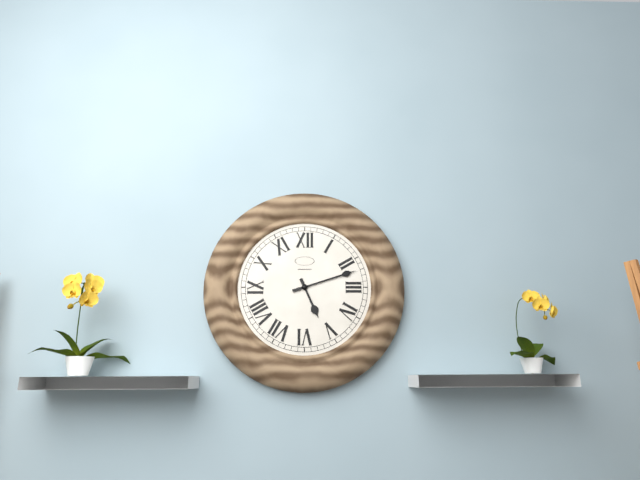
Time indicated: 5:12
